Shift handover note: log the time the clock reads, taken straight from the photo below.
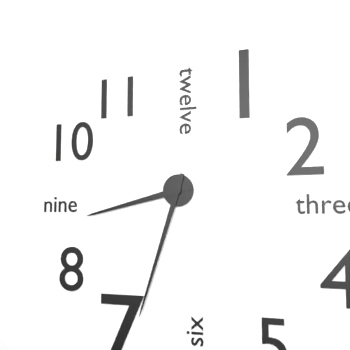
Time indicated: 8:33
